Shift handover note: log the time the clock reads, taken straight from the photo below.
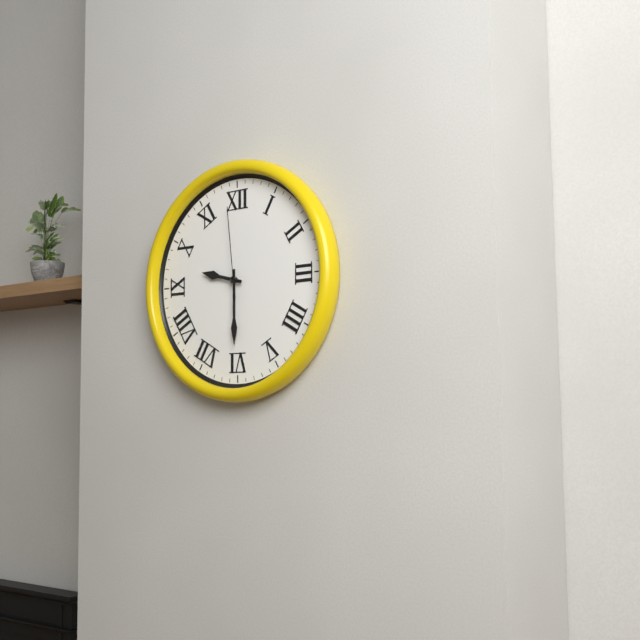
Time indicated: 9:30:59
